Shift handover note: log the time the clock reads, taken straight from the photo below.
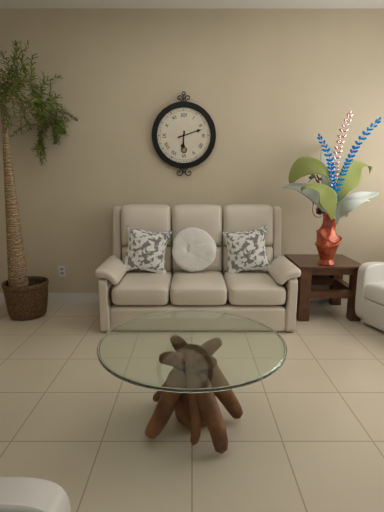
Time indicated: 6:12
